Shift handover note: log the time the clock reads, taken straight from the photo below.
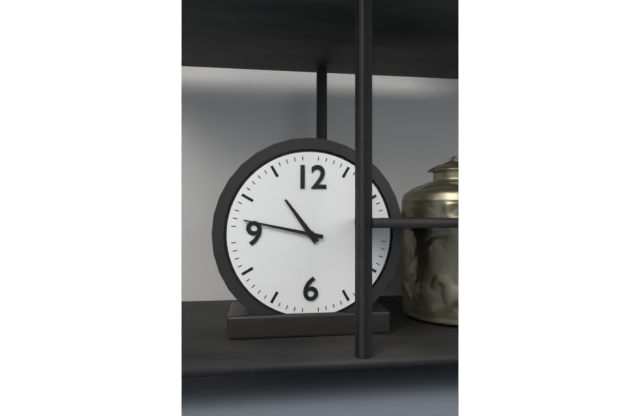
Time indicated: 10:47
